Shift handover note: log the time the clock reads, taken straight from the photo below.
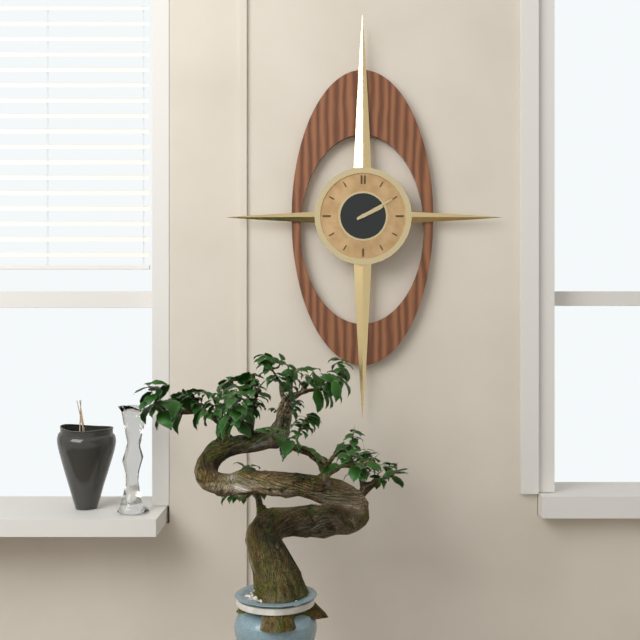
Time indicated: 2:10
